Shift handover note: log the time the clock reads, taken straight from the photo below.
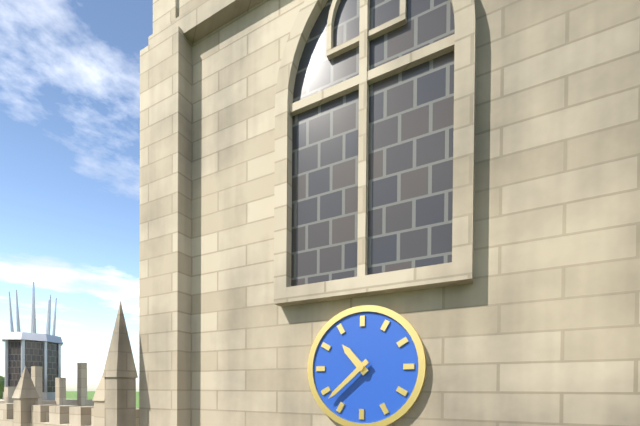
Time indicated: 10:38
